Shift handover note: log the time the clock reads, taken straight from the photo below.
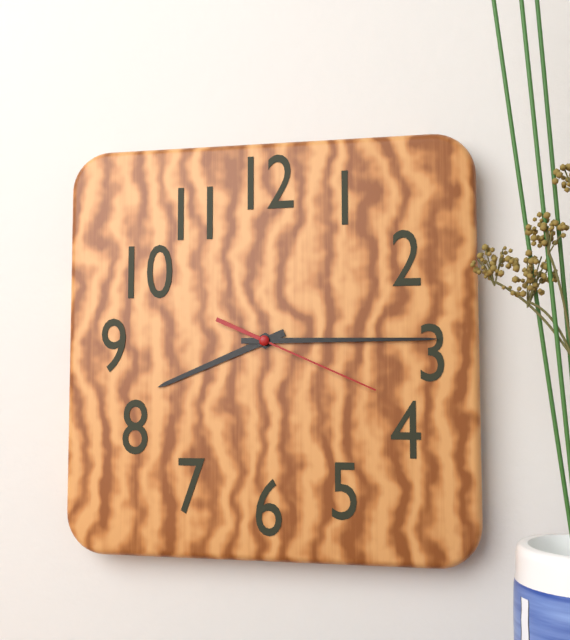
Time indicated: 8:15:19
